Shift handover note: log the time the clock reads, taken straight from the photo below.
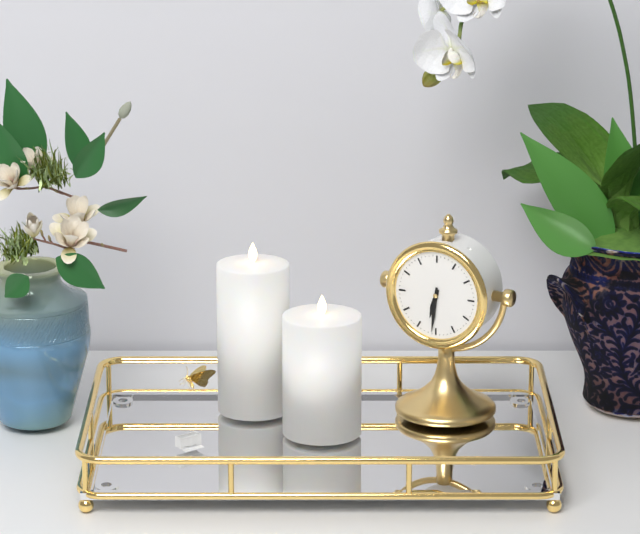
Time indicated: 6:31
